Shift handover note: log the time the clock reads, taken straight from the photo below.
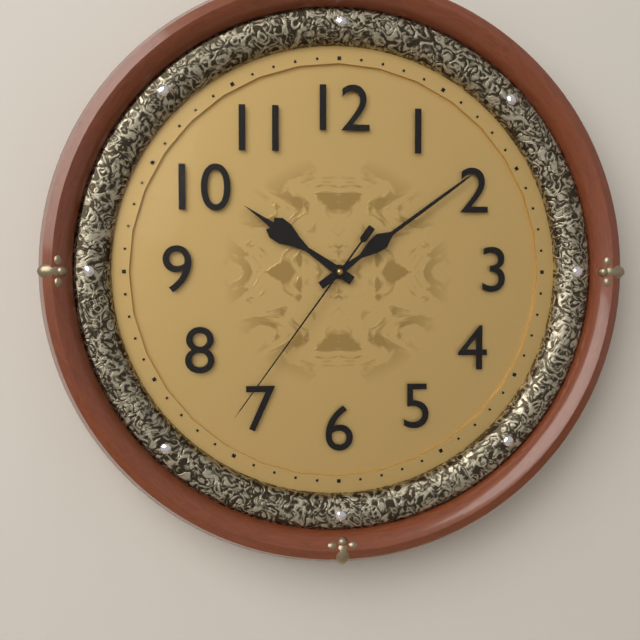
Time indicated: 10:09:36
